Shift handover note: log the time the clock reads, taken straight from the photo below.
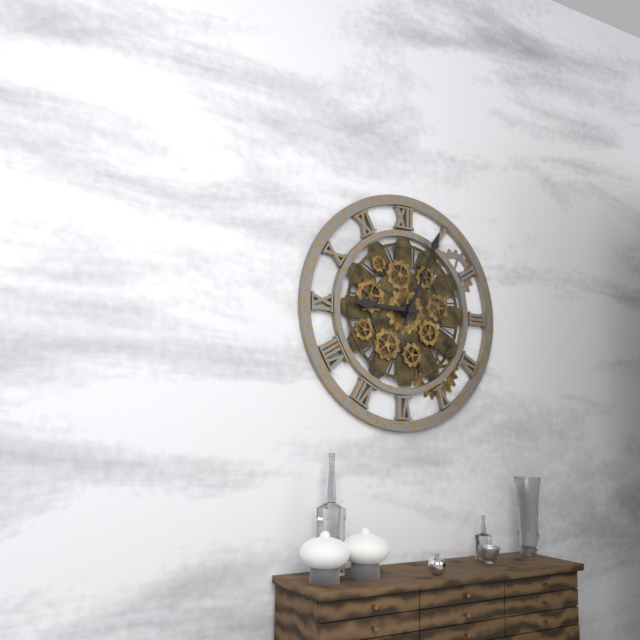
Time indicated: 9:04
